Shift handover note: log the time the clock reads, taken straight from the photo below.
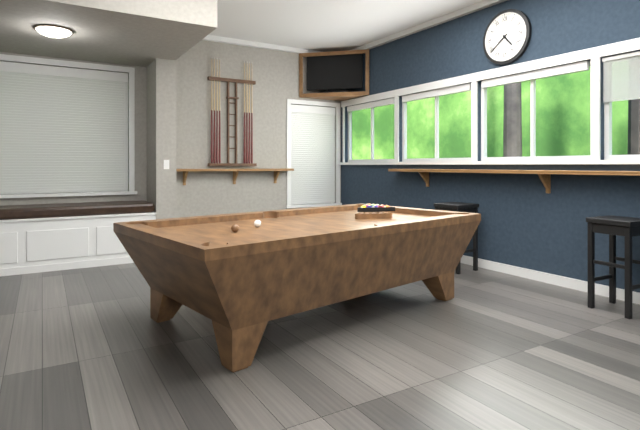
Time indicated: 4:39
